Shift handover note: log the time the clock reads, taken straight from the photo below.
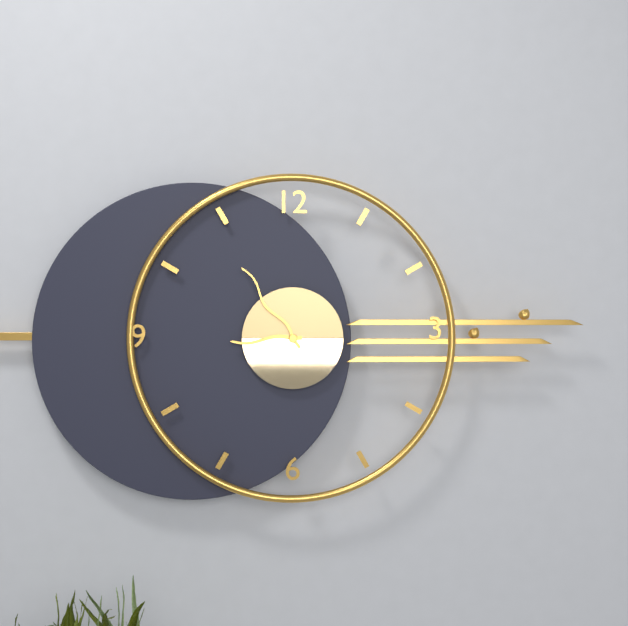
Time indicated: 8:54
